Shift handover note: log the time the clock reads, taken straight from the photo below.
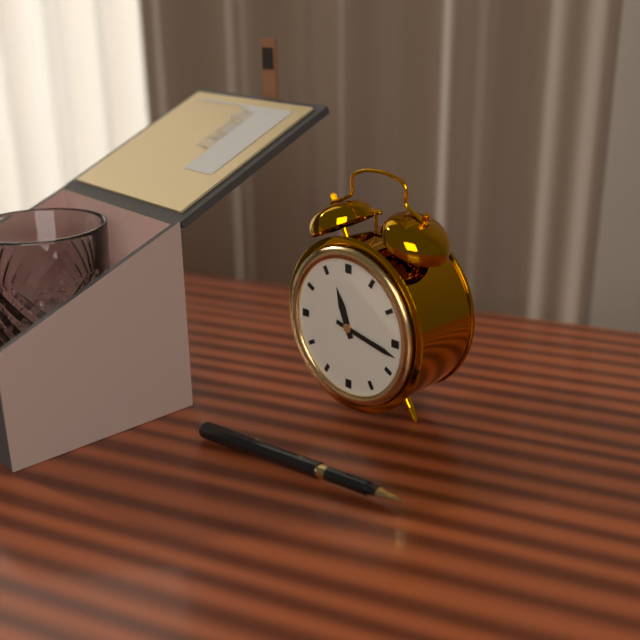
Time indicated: 11:17
